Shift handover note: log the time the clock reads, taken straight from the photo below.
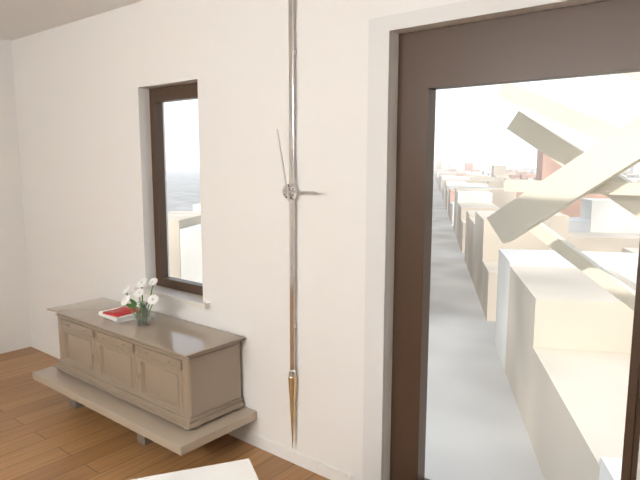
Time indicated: 2:58
